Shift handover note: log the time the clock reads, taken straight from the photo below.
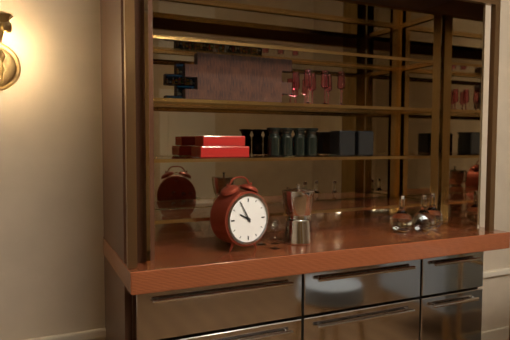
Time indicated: 9:55
